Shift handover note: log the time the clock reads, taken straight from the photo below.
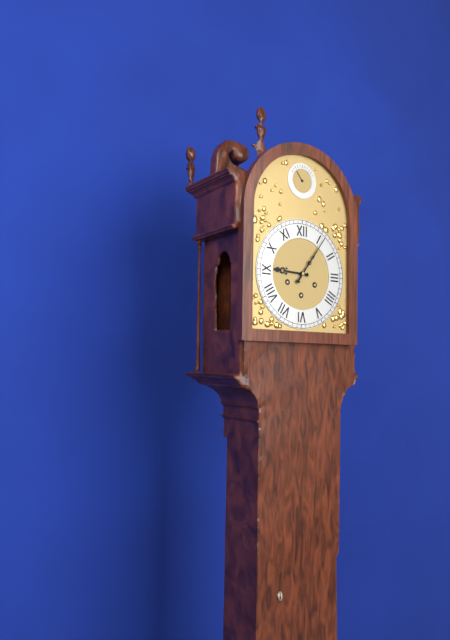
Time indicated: 9:06
